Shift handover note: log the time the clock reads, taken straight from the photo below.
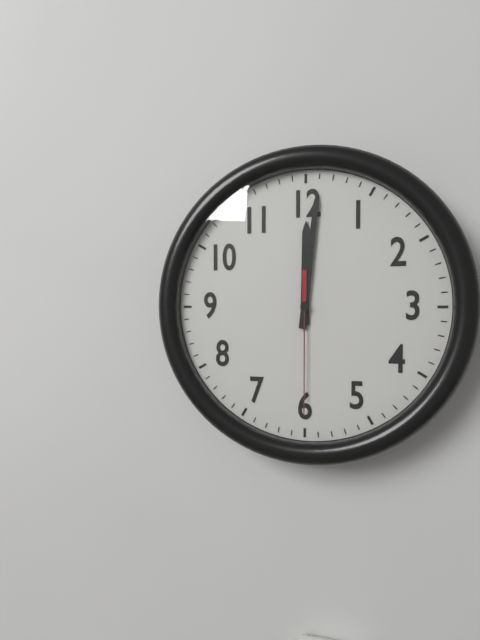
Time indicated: 12:01:30
